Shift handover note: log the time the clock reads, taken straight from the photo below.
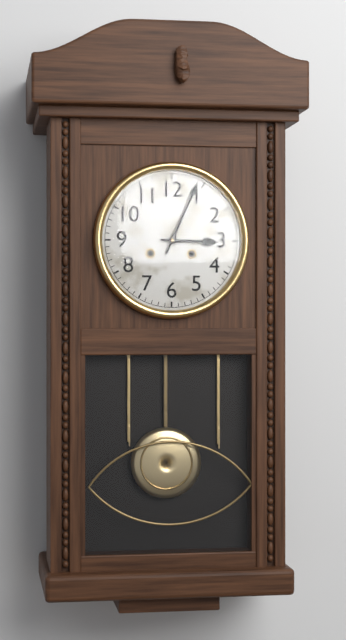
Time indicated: 3:04
